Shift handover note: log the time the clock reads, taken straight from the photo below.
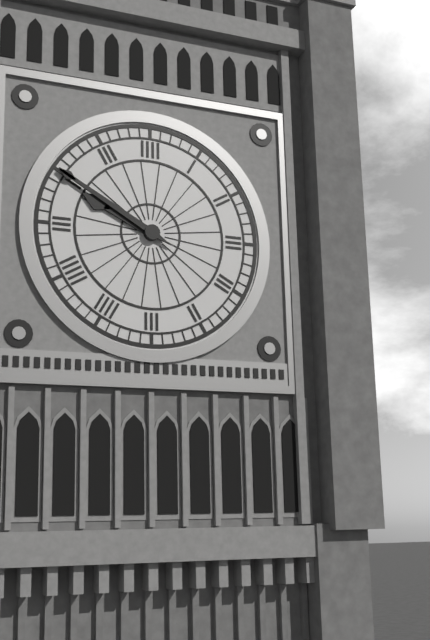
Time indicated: 9:50
